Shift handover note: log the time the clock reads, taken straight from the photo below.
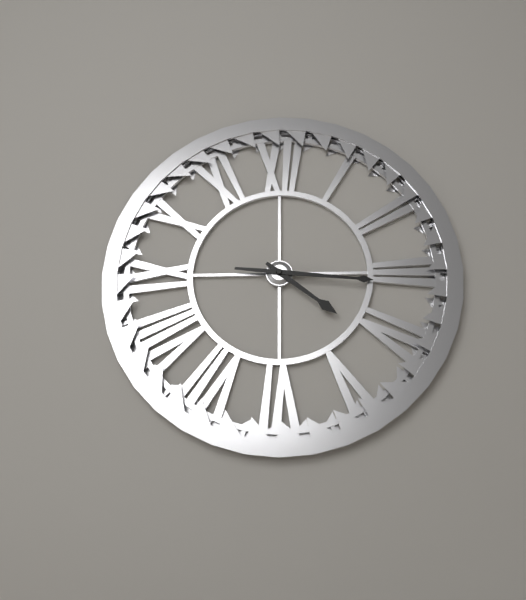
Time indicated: 4:16
